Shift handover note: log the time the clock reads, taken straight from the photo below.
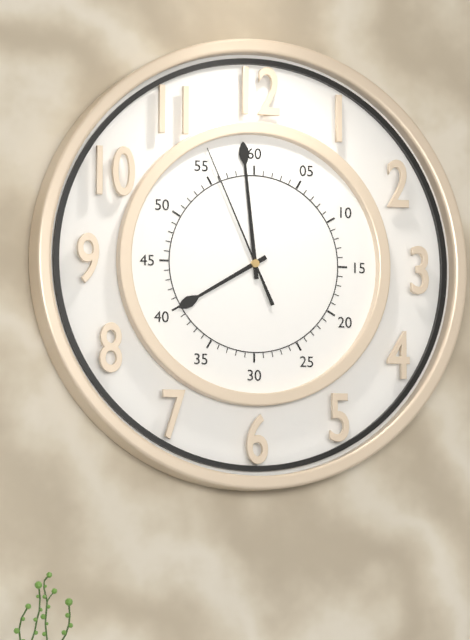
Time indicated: 7:59:56
